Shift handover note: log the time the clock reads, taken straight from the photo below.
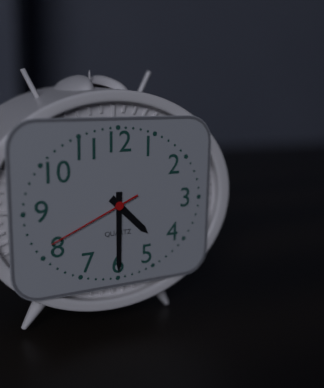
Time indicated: 4:30:41
